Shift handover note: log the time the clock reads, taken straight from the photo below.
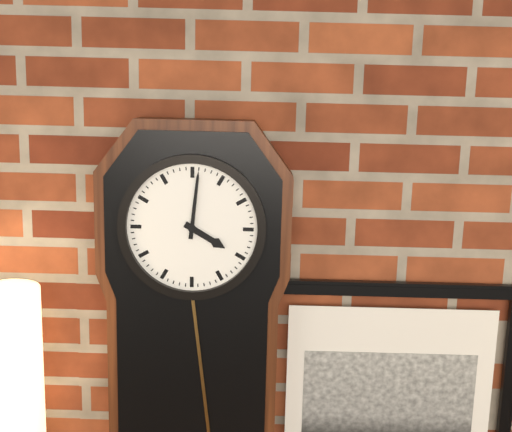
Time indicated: 4:01
